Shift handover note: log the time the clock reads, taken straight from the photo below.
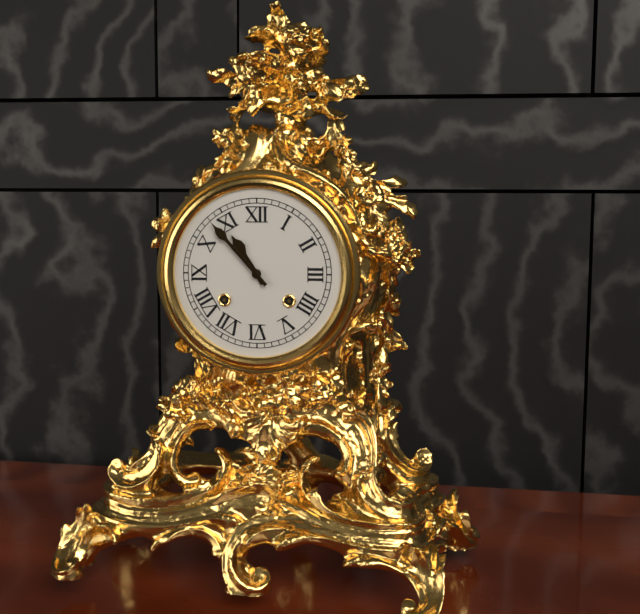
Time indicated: 10:53
